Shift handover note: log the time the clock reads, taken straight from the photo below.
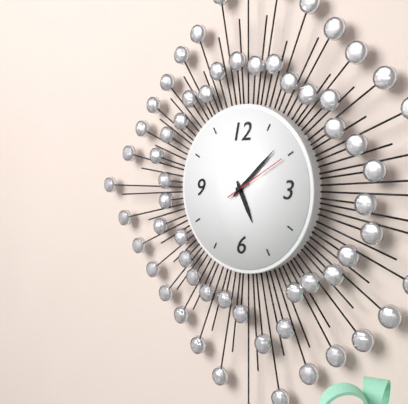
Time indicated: 5:08:10
